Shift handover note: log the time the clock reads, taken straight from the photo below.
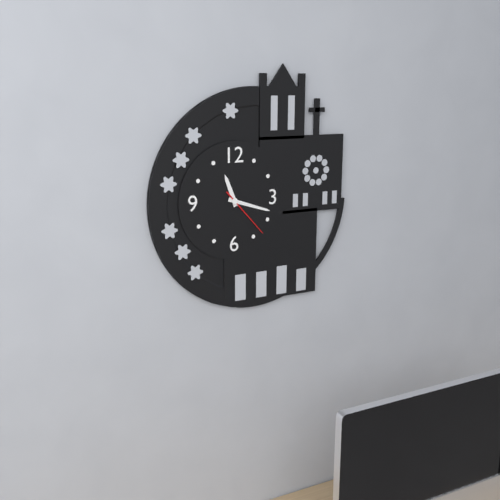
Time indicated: 11:18:23
